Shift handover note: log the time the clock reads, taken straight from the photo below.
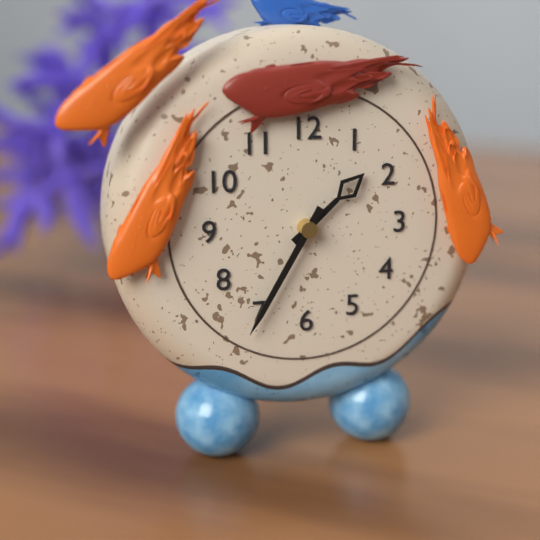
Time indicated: 1:35
